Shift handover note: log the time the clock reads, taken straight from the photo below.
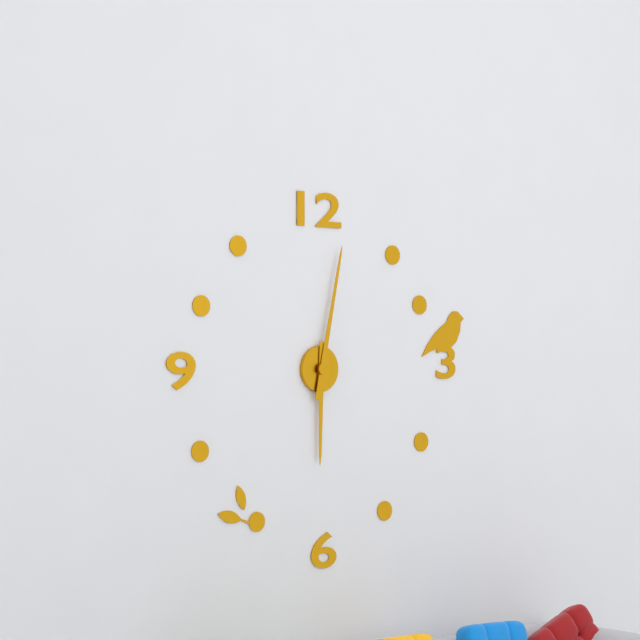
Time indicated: 6:02
